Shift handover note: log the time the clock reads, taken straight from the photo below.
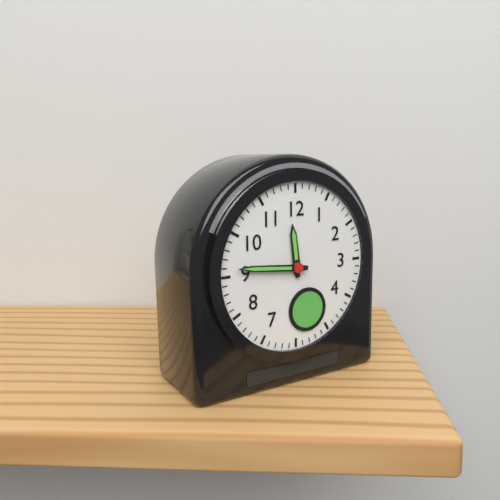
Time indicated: 11:46
